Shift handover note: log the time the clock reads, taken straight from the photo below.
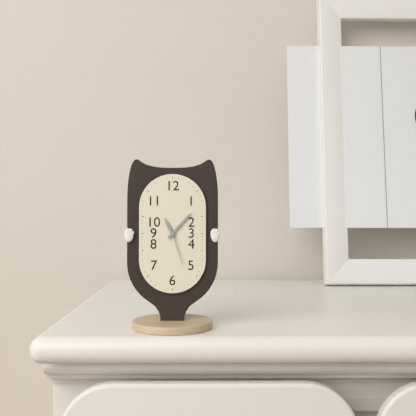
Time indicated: 11:07
